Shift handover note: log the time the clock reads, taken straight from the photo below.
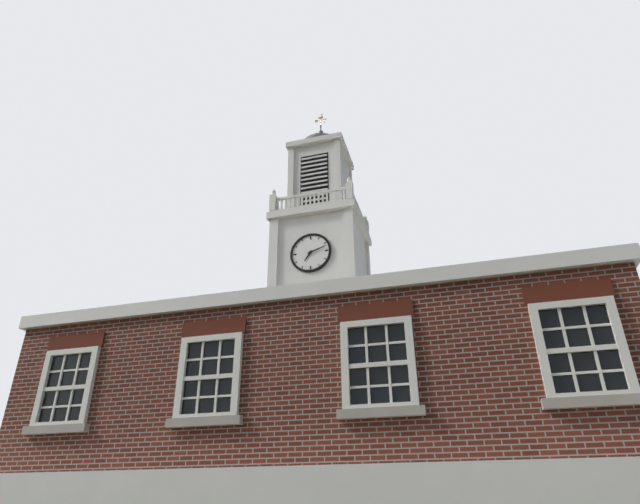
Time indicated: 7:12
